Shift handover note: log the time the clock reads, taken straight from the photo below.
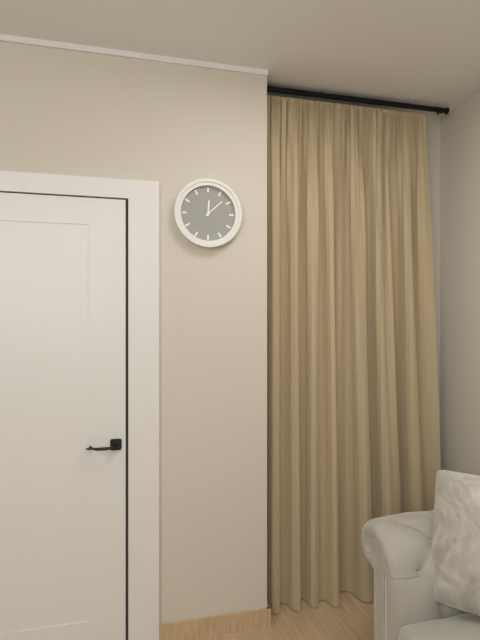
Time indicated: 12:08
